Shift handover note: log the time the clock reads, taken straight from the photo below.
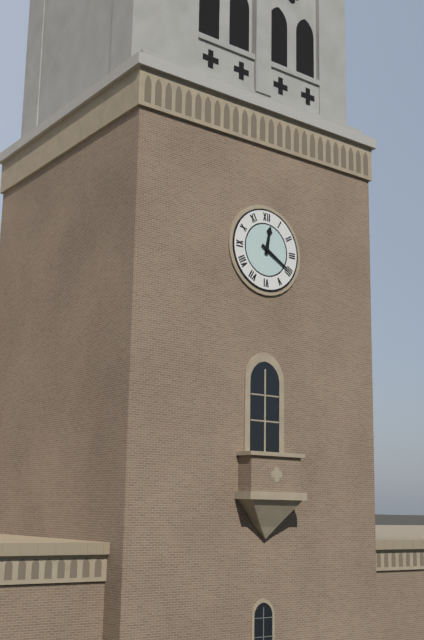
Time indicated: 12:20
